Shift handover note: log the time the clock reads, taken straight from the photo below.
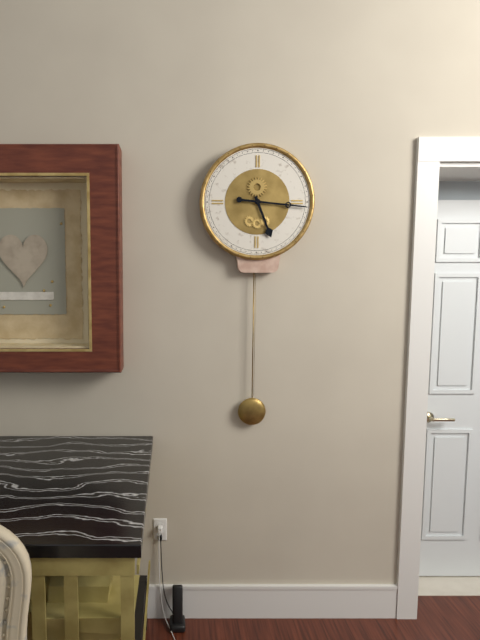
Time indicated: 5:16
